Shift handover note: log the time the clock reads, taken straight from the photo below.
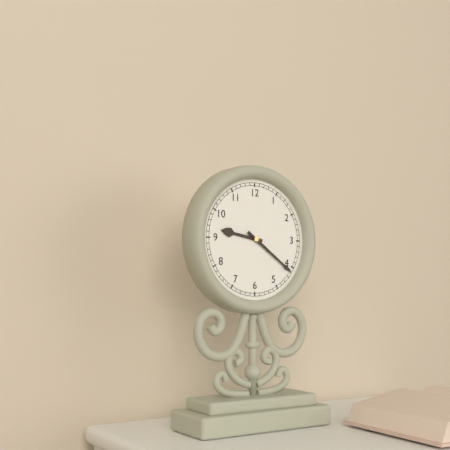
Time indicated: 9:21
